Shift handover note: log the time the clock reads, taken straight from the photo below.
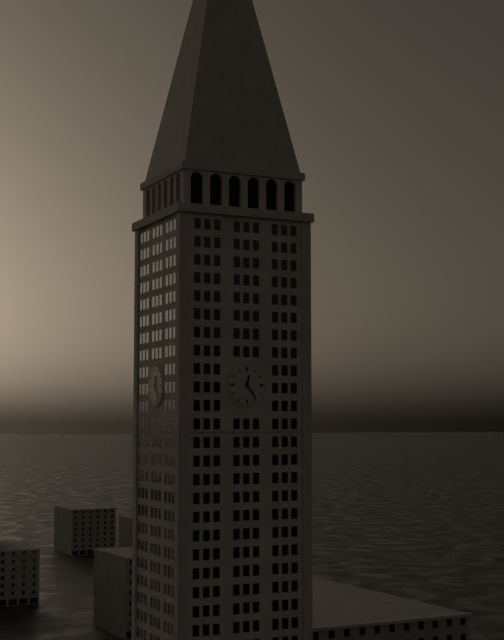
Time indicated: 12:24
